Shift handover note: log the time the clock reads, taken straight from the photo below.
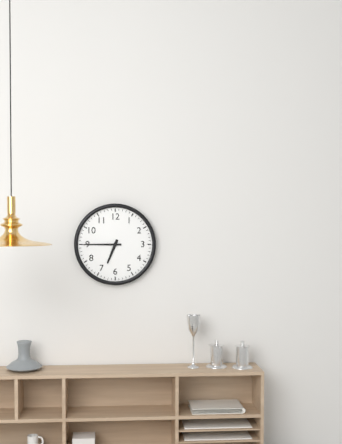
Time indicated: 6:45
